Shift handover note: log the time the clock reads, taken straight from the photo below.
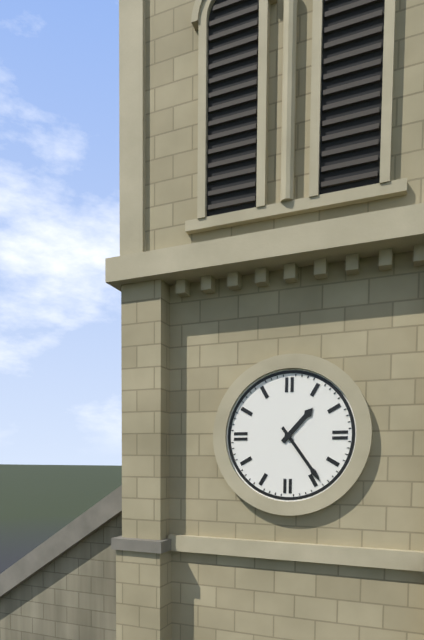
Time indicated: 1:24
